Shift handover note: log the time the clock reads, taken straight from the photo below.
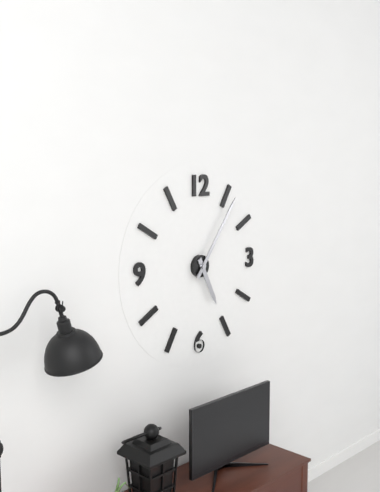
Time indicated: 5:06
